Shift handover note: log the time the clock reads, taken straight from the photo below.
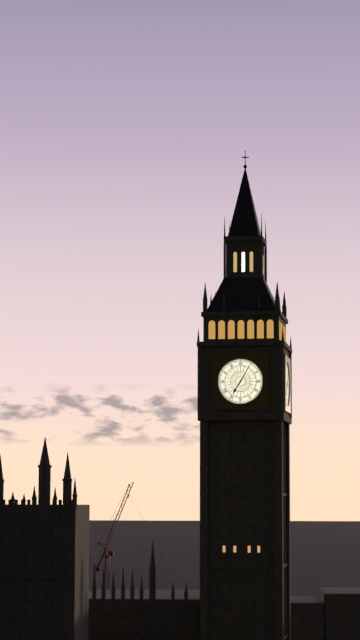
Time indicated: 7:05
